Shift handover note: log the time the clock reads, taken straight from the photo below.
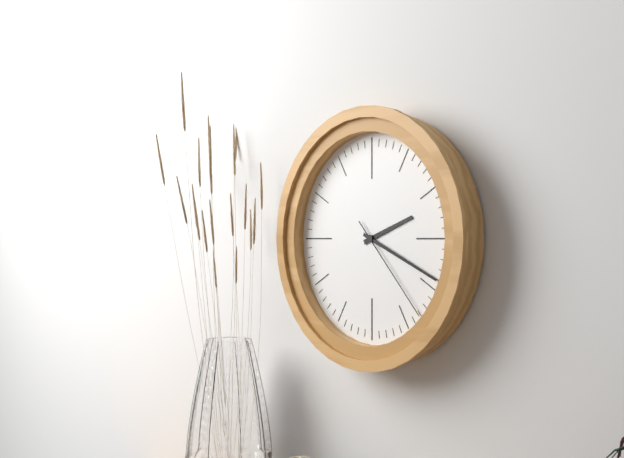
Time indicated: 2:19:23
